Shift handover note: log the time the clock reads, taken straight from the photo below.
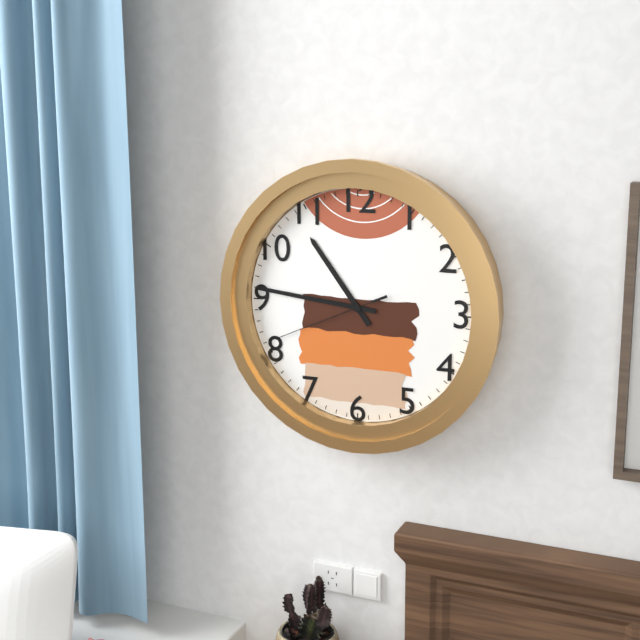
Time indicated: 10:46:41
